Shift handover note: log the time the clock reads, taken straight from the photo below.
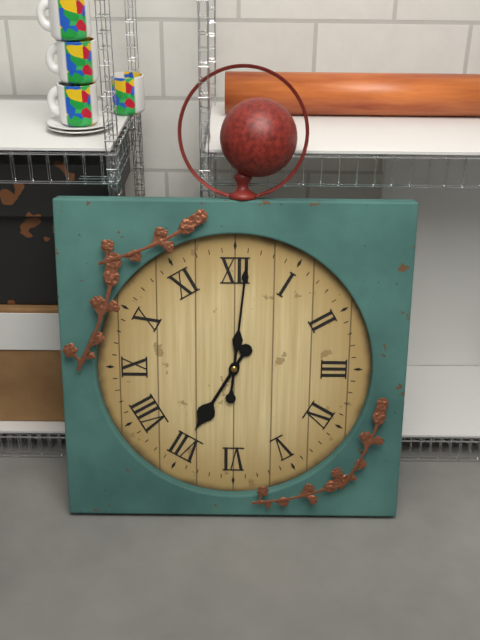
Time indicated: 7:01
